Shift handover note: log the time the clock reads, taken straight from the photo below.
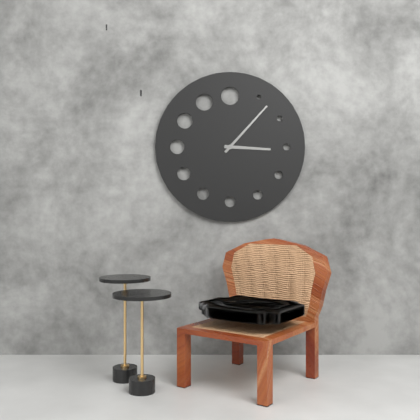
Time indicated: 3:07
